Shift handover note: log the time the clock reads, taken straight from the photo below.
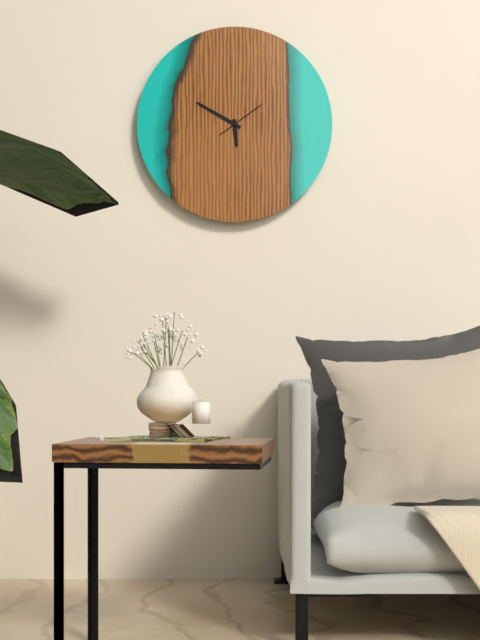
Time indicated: 5:50
